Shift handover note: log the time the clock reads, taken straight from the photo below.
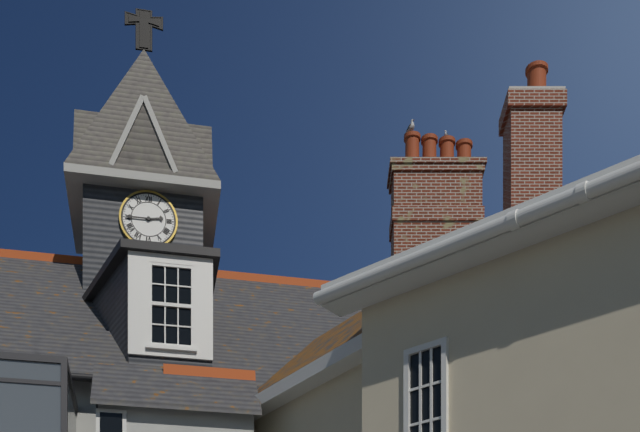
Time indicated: 2:45
